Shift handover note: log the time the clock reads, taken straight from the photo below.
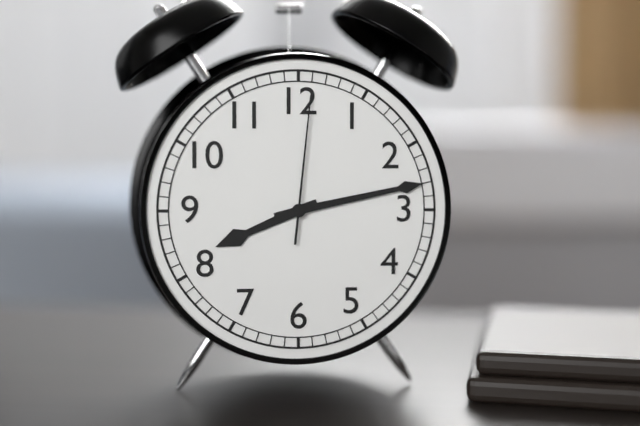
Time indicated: 8:13:01
